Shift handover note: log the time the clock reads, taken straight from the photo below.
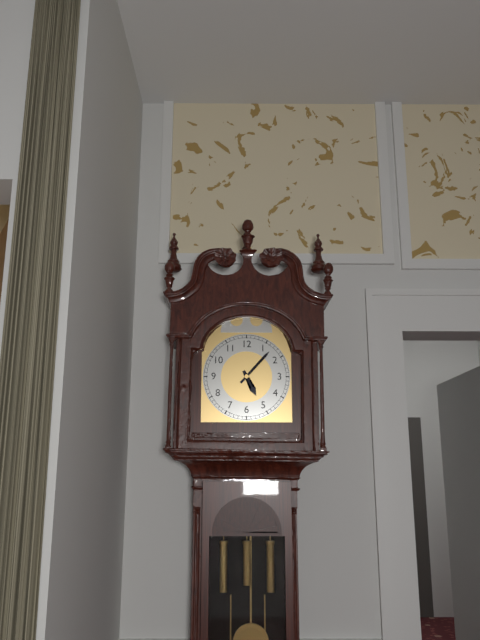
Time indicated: 5:07
